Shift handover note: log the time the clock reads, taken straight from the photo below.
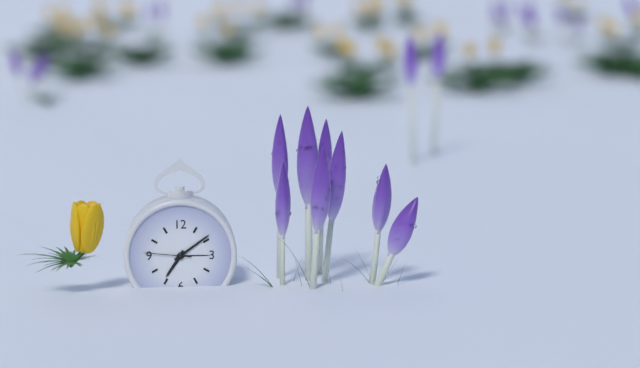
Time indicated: 7:09
